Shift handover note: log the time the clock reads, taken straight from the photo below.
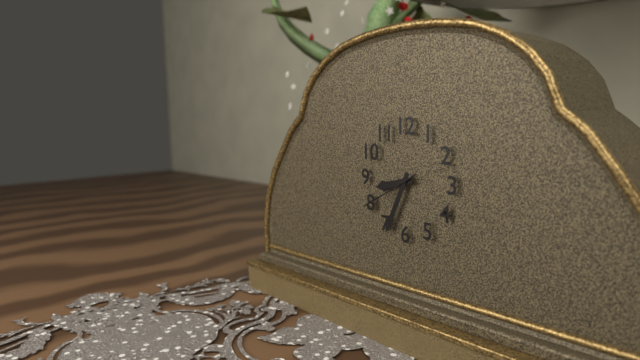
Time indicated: 8:34:40
